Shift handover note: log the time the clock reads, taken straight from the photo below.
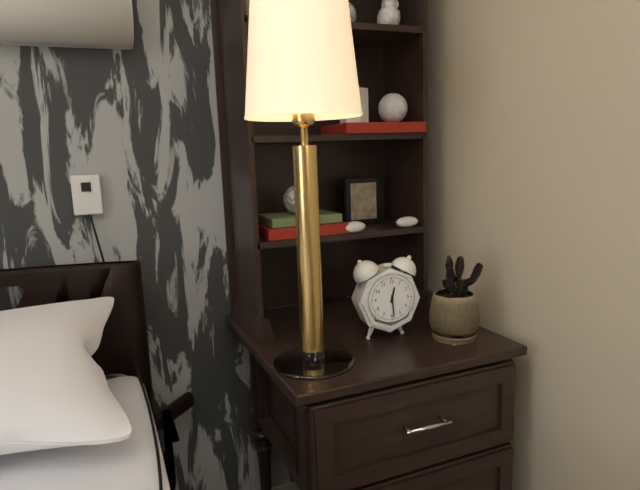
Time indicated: 12:29
